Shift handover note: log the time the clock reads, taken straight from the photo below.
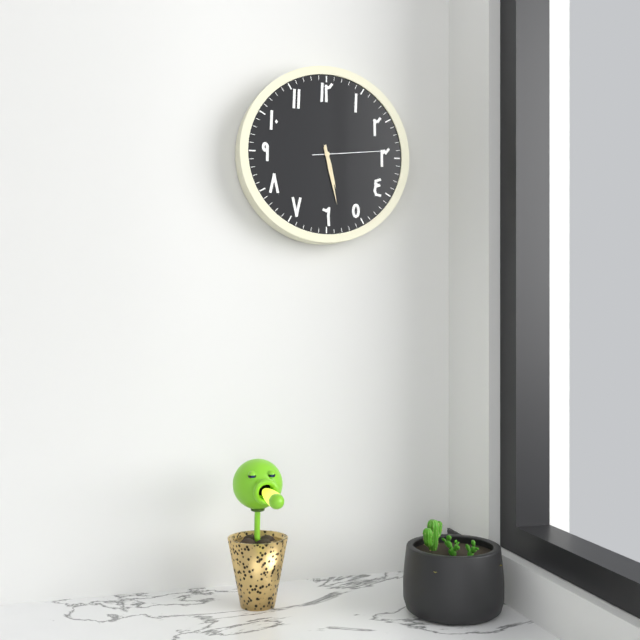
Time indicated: 5:28:14
